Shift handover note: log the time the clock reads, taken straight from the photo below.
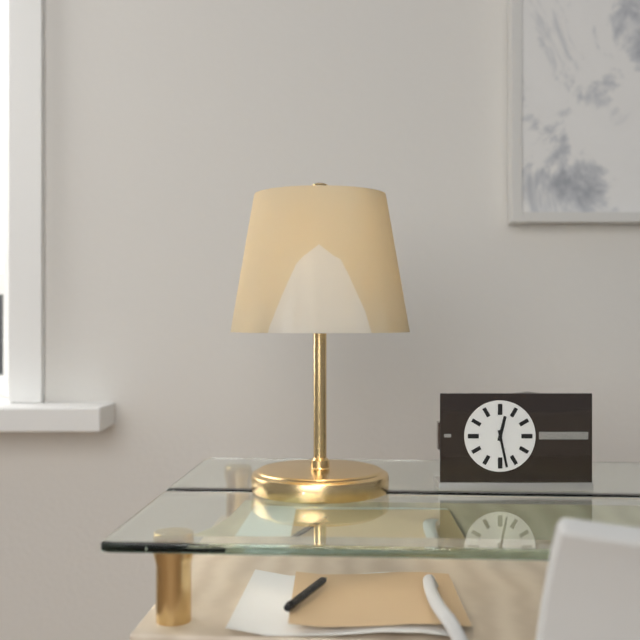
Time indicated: 12:28
